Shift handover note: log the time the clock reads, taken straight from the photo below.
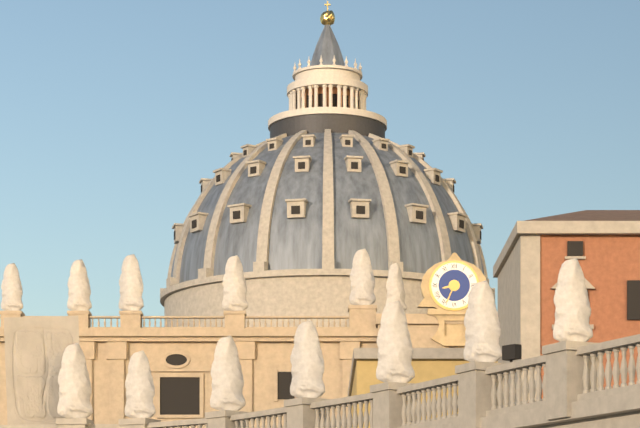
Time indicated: 8:34
